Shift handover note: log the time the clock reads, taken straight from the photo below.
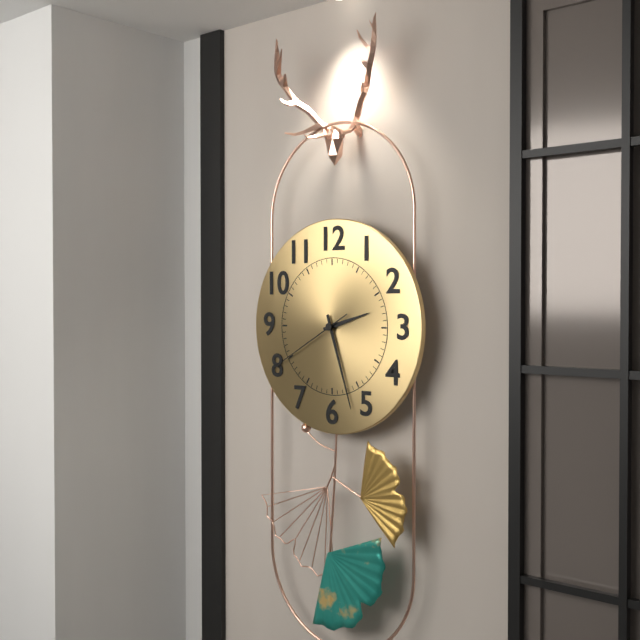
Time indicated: 2:27:40
